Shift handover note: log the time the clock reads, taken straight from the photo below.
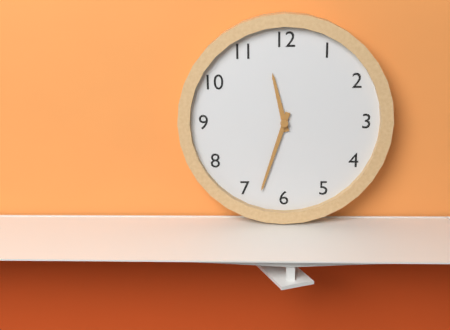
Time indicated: 11:33
